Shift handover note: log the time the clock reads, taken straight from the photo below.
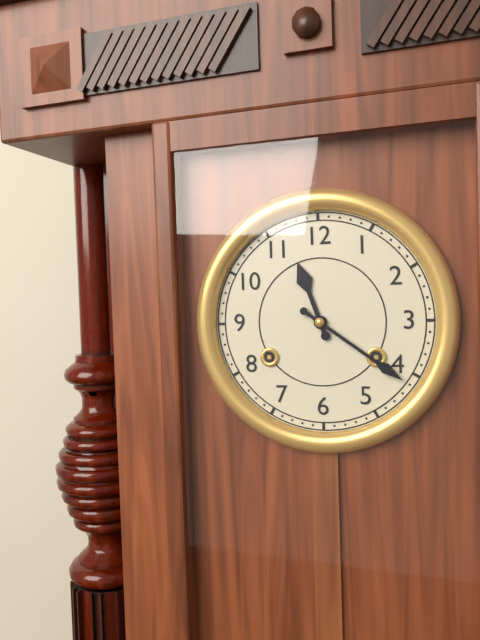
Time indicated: 11:21
